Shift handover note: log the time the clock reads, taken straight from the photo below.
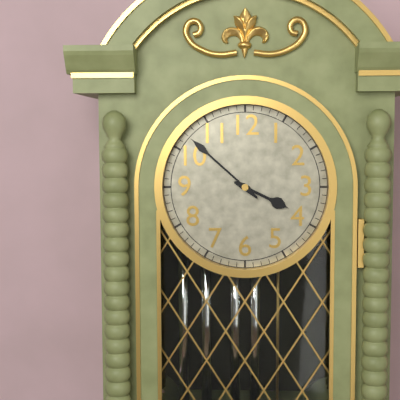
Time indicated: 3:52
